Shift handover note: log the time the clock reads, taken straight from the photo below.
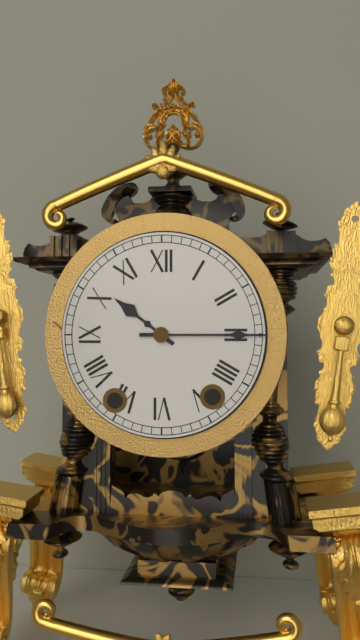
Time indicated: 10:15
